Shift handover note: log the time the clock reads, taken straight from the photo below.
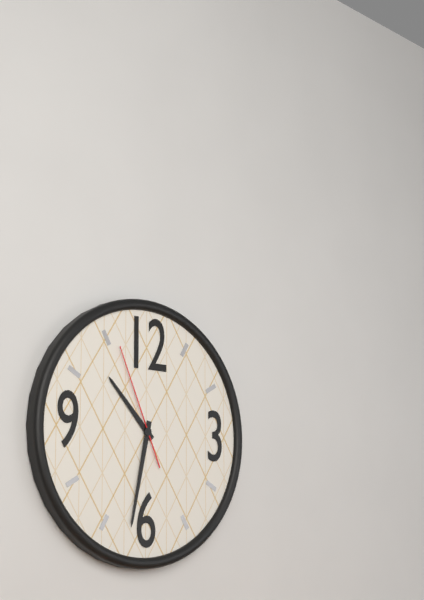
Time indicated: 10:32:56
